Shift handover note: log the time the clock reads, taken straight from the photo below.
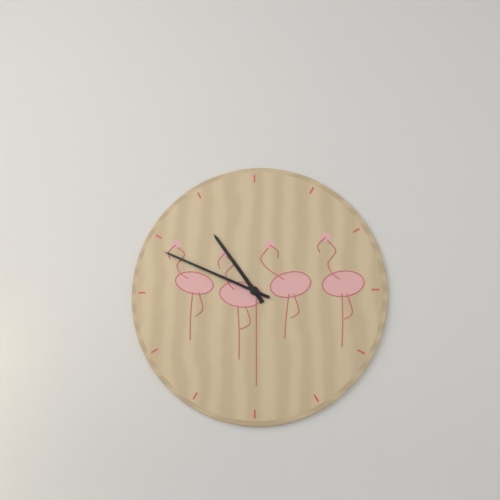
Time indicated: 10:49
